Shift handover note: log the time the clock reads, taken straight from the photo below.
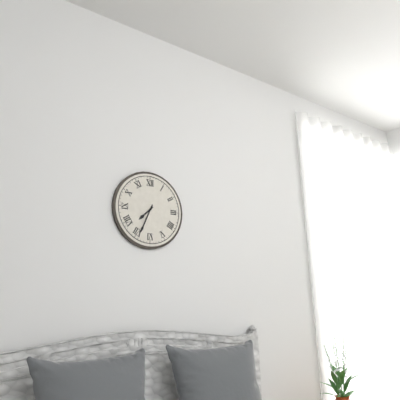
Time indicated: 7:34
